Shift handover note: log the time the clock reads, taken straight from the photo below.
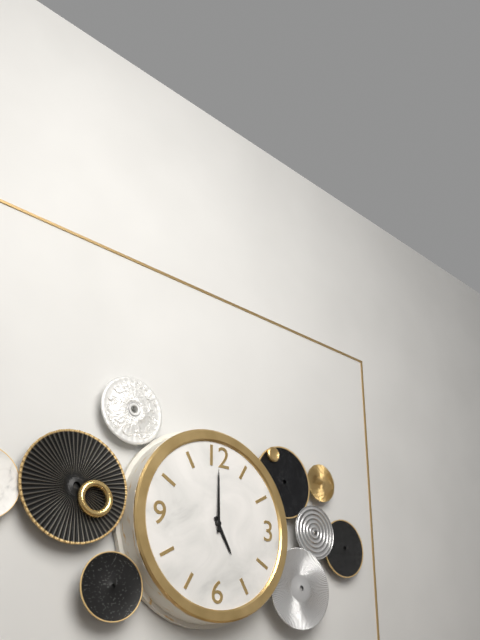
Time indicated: 5:00
